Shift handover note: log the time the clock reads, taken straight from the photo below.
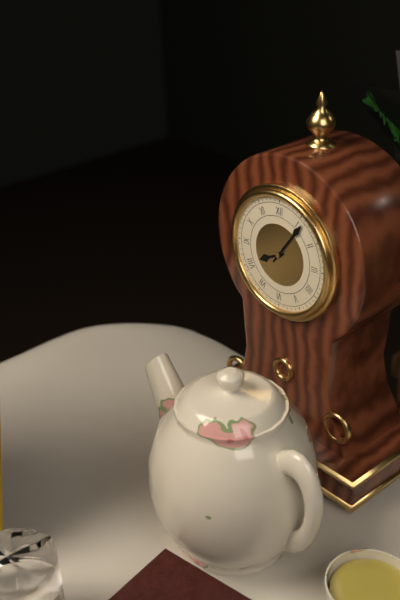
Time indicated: 8:06
